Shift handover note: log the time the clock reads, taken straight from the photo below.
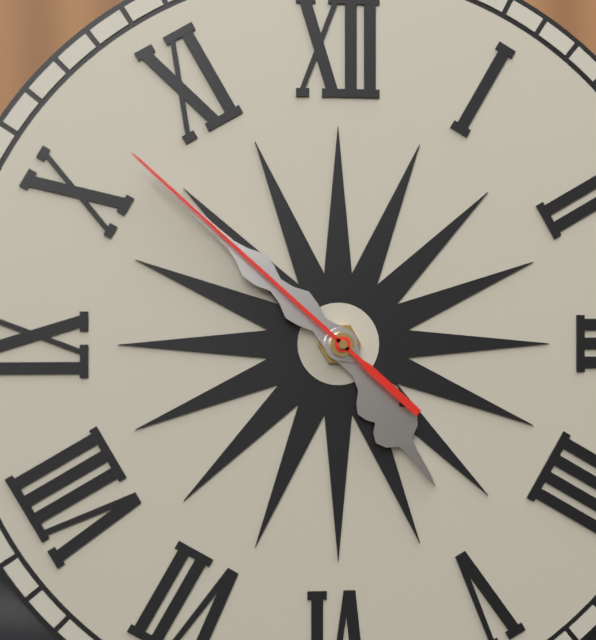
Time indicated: 4:52:52
